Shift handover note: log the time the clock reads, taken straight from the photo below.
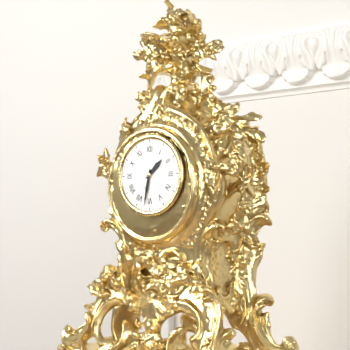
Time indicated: 1:32
